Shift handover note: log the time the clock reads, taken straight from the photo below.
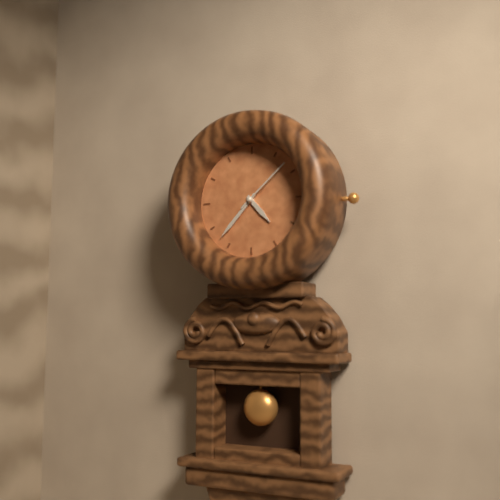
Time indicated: 4:37:08
